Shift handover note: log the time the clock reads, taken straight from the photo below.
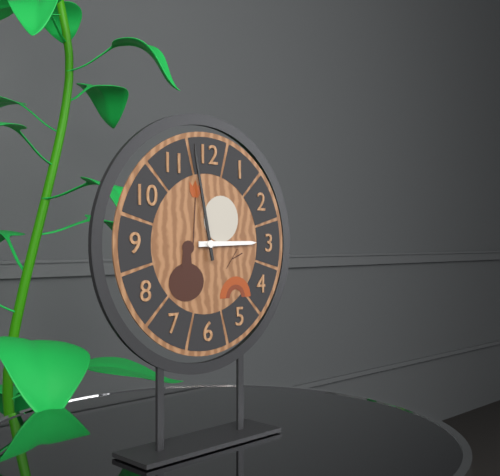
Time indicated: 2:58
